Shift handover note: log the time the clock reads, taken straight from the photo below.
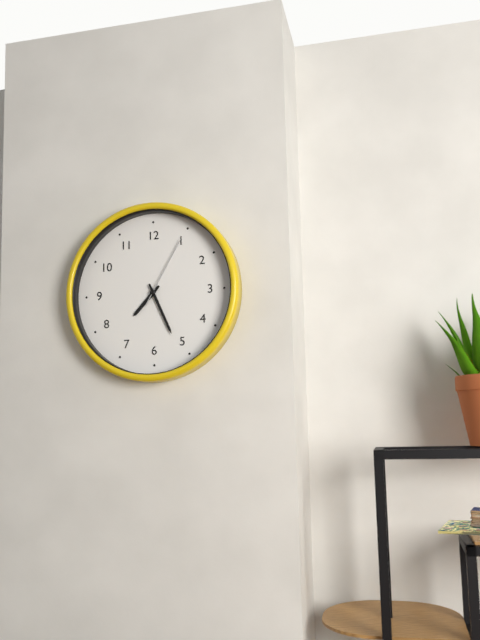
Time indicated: 7:26:05
